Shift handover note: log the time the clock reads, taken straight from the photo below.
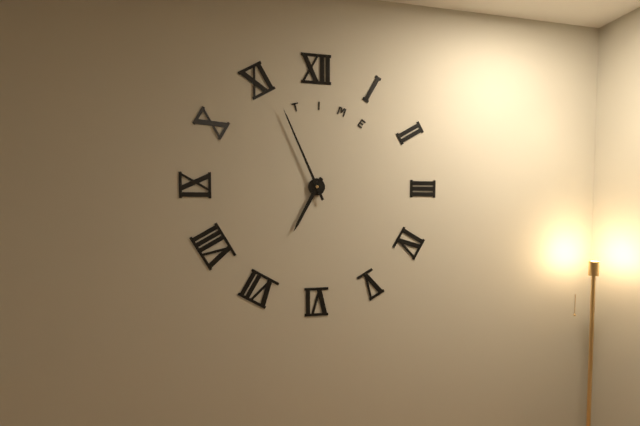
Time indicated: 6:56
